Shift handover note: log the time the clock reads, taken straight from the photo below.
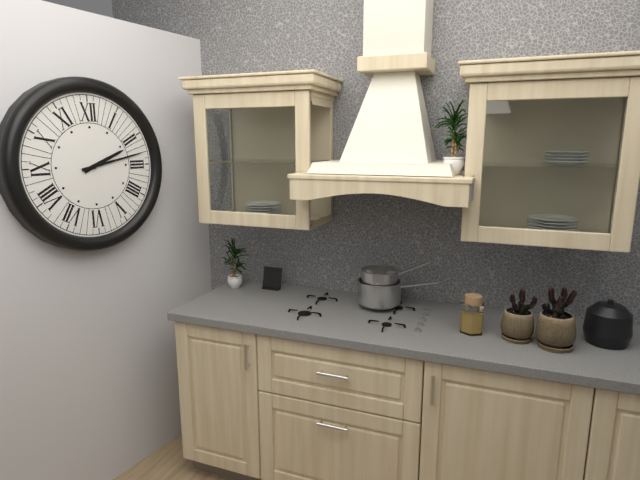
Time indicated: 2:13
